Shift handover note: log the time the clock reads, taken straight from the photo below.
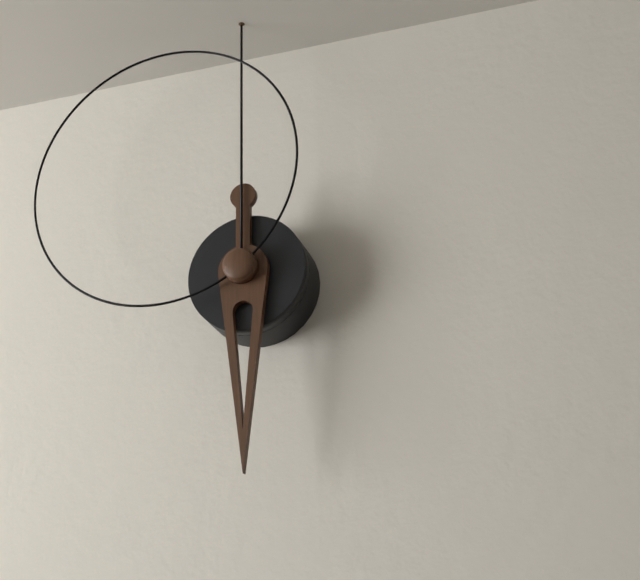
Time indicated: 6:00:54
